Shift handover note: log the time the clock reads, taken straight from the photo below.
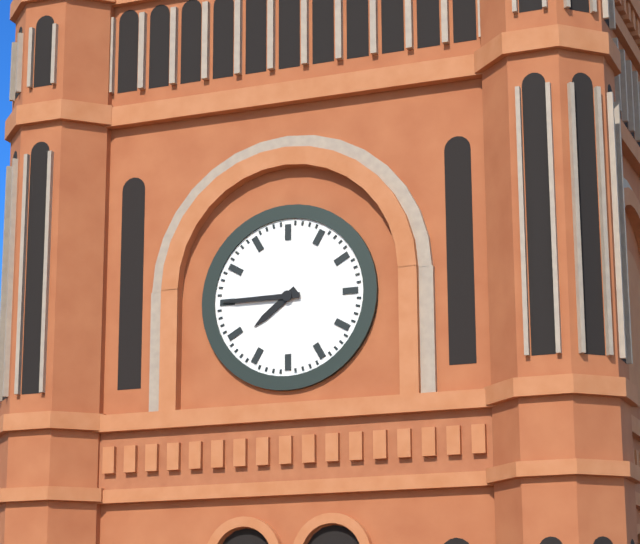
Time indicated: 7:45
